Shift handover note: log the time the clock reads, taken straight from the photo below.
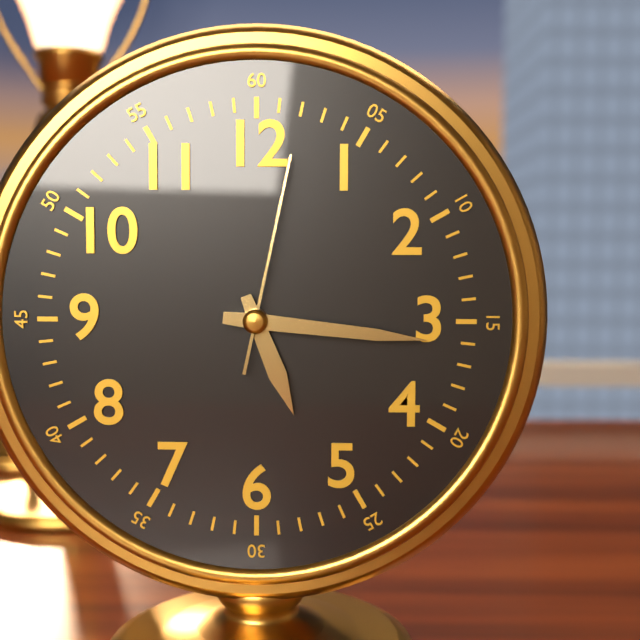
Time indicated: 5:16:02
